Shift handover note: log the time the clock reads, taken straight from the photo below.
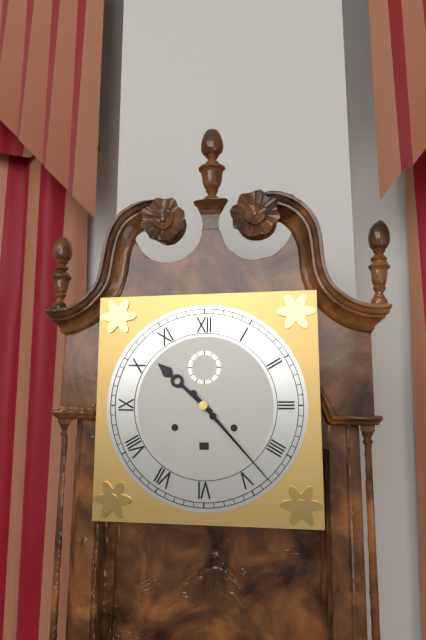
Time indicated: 10:23
